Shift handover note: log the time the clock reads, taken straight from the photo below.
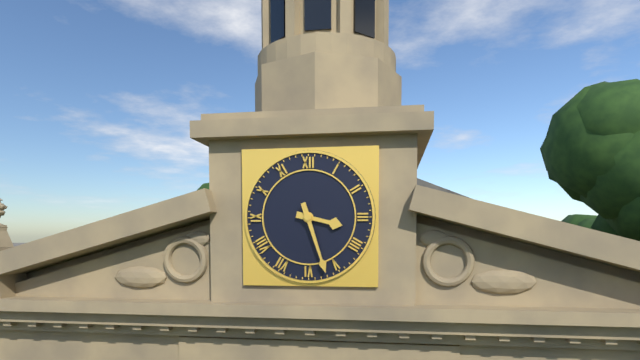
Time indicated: 3:27
